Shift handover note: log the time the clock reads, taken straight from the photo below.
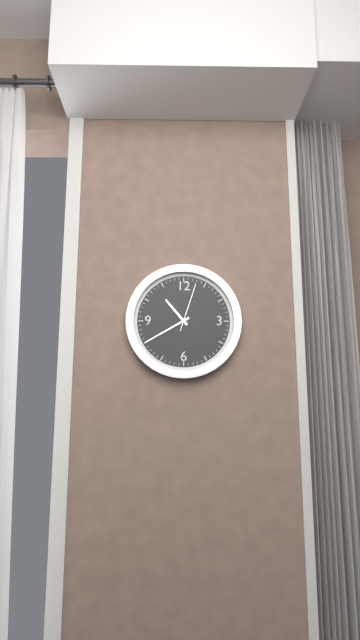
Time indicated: 10:40
